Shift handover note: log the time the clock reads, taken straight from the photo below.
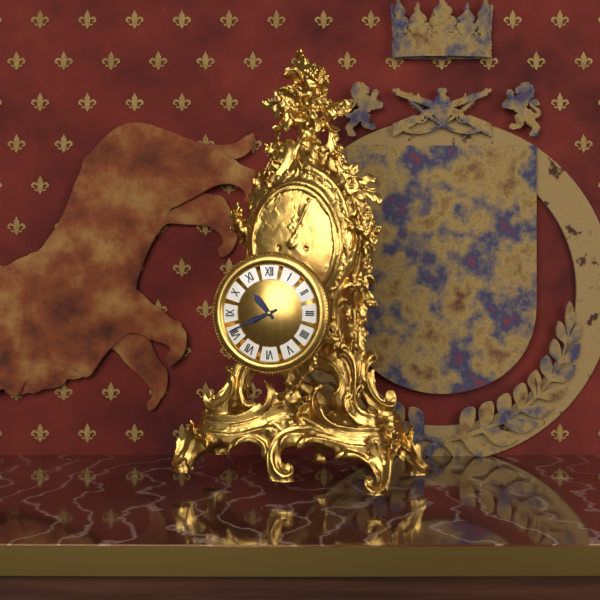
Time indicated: 10:41
